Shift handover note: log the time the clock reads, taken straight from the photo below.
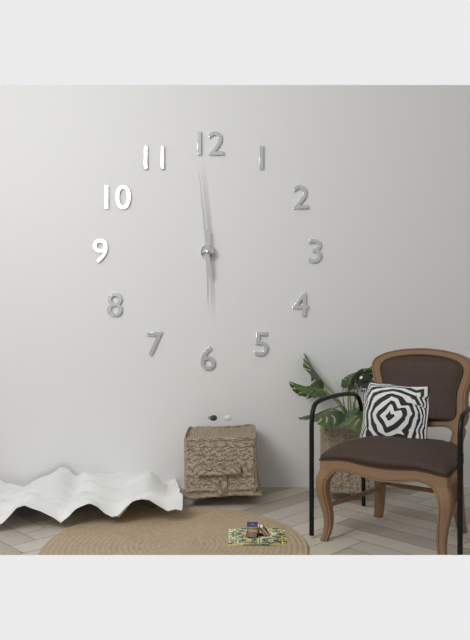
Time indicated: 5:59
